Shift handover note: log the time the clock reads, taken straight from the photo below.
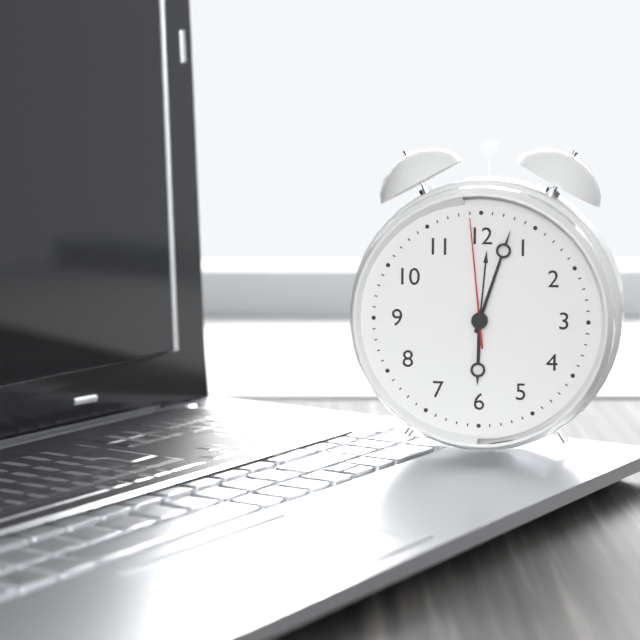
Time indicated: 6:03:59
